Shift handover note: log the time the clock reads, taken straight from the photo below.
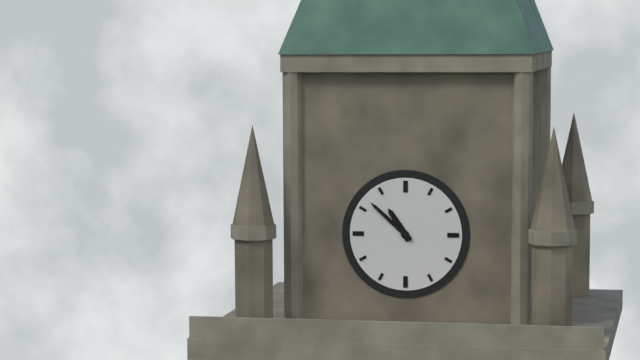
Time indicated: 10:52
